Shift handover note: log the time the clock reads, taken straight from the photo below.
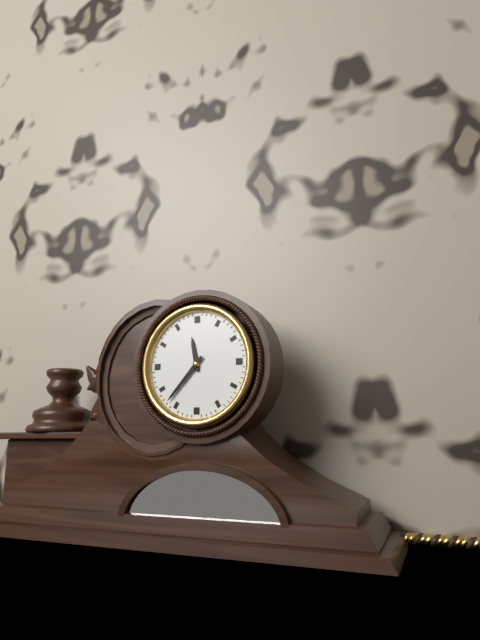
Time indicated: 11:37
